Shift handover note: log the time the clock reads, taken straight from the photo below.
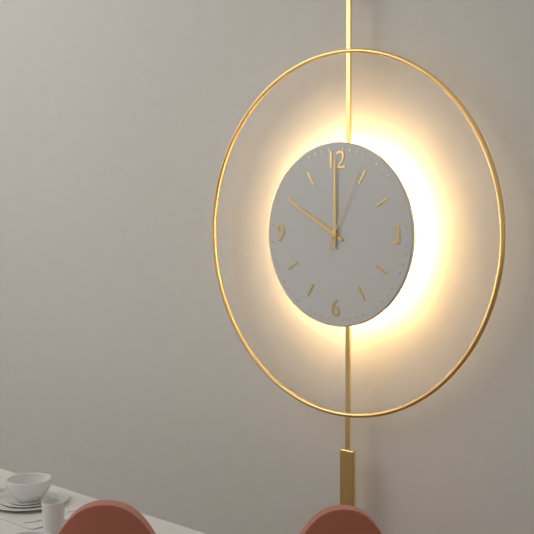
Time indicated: 10:00:04
